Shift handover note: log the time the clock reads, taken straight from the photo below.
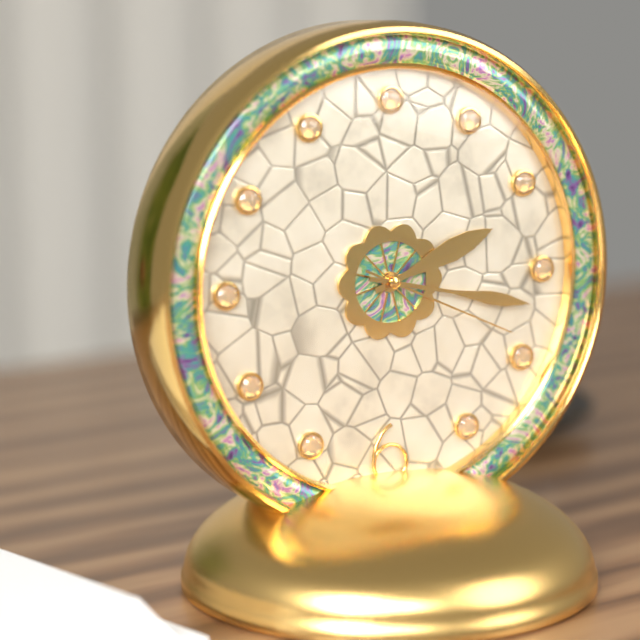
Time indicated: 2:17:19
